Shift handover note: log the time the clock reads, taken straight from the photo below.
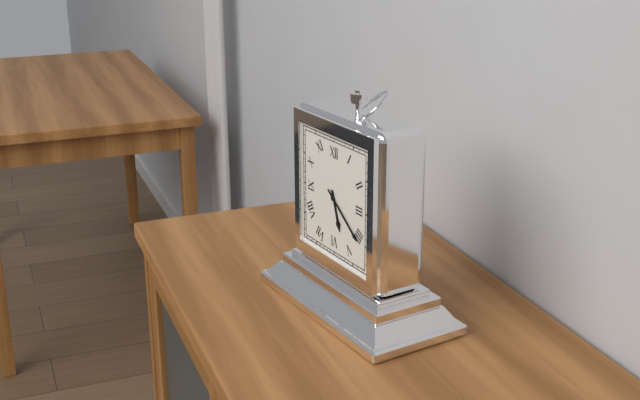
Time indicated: 5:21
